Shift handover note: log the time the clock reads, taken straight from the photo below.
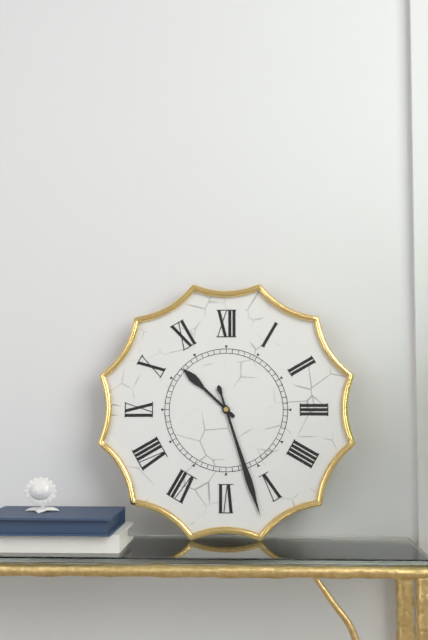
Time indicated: 10:27
